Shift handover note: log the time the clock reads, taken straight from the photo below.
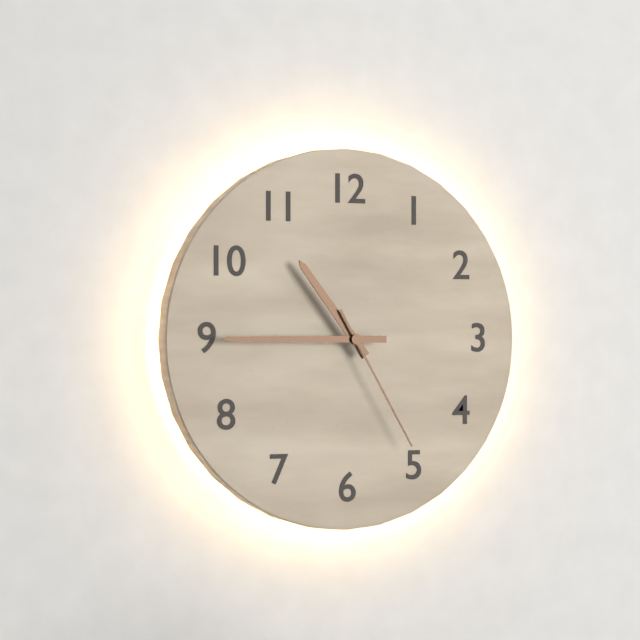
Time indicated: 10:45:25
